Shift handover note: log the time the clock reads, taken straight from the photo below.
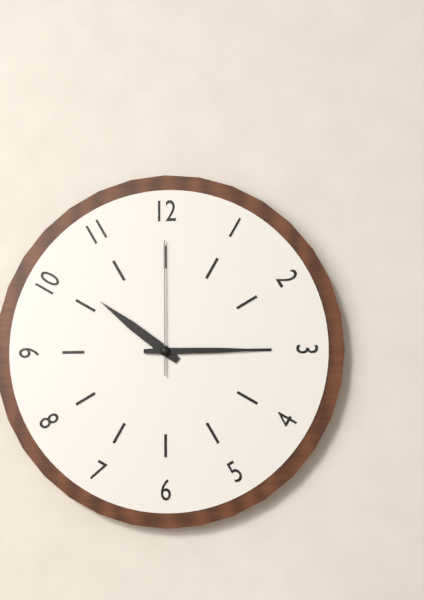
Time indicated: 10:15:00
